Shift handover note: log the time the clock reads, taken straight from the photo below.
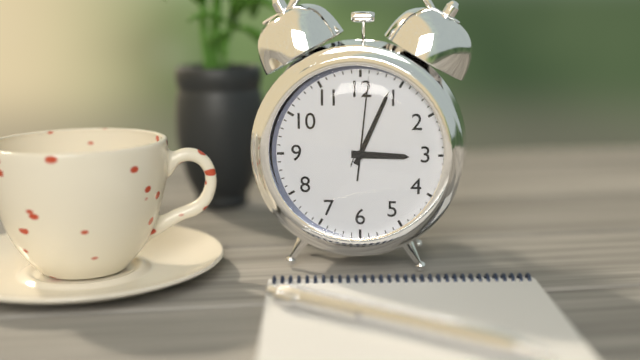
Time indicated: 3:04:01
